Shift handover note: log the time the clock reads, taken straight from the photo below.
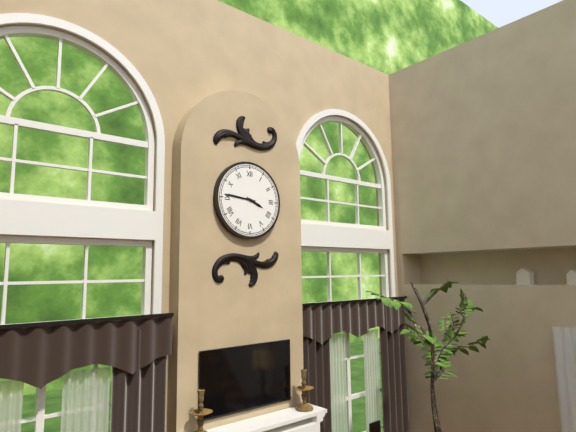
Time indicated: 3:46
